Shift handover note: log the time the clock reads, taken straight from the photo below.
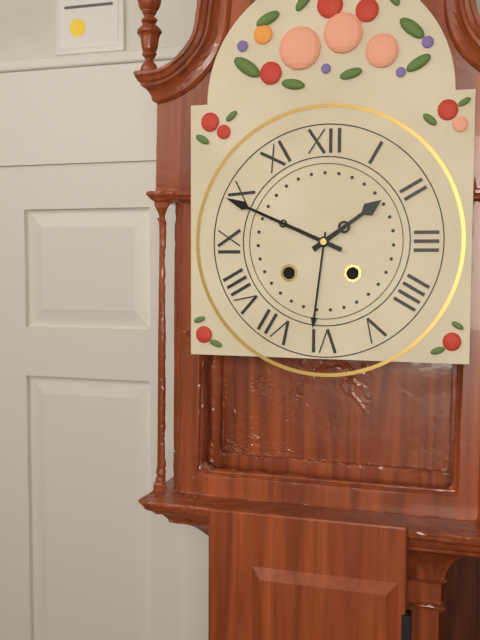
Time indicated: 1:49
